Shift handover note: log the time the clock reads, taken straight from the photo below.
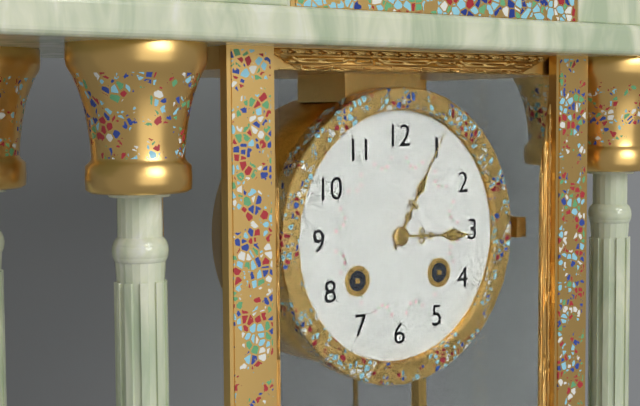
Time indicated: 3:05
